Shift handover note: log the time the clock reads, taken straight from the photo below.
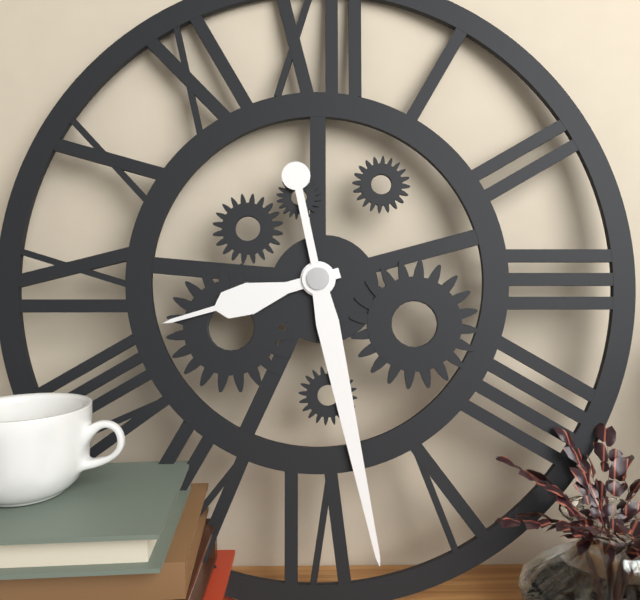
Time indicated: 8:28
